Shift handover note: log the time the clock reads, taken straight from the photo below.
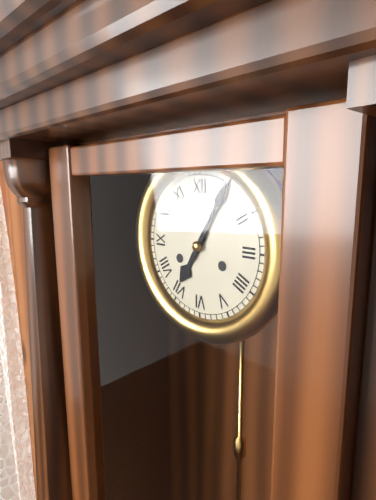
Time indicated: 7:05
